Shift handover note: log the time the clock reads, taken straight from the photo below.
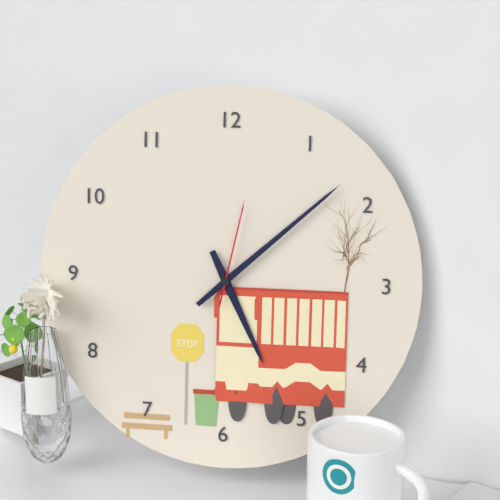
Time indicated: 5:08:02
